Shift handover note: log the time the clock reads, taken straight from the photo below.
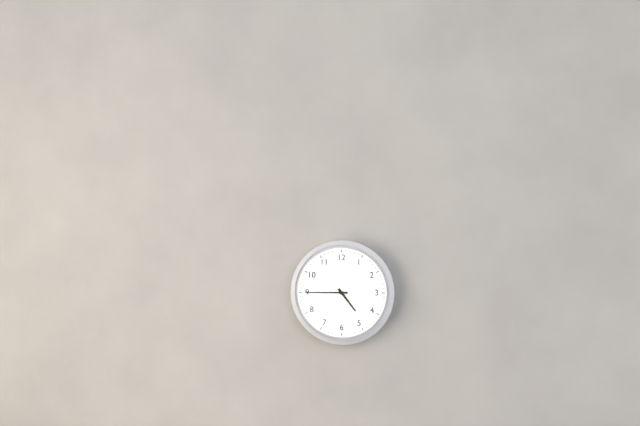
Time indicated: 4:45
